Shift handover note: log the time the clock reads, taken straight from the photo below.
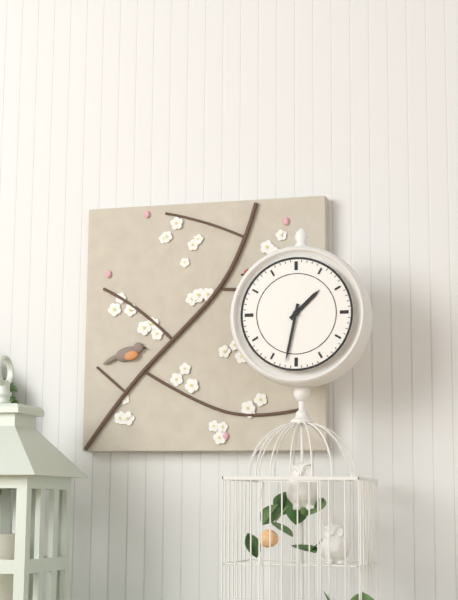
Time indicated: 1:32
